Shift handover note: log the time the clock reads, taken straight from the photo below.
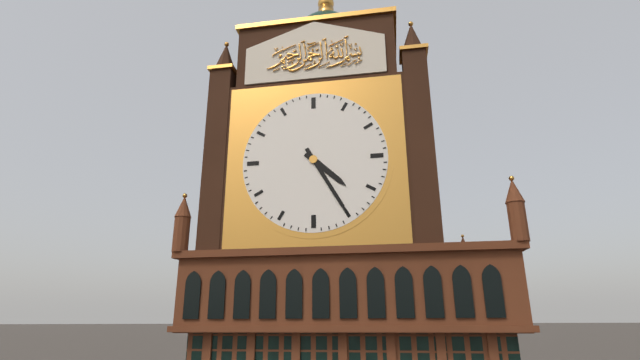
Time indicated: 4:25
